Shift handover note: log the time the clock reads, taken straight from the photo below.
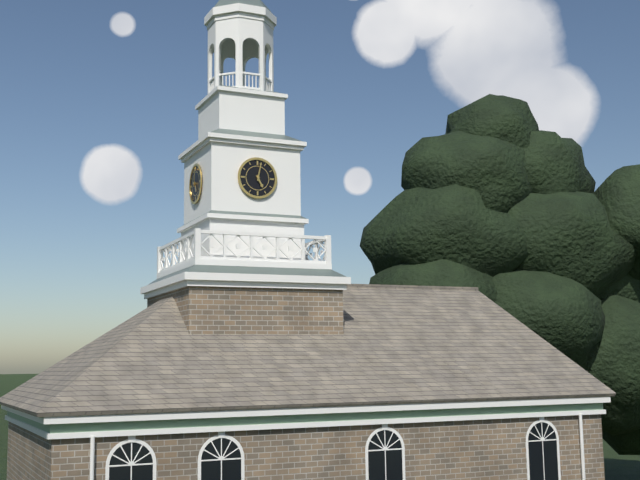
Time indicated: 5:02
